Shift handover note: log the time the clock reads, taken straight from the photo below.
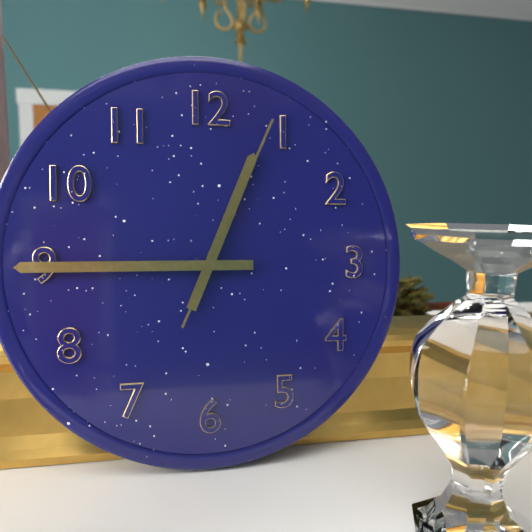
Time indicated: 12:45:04
